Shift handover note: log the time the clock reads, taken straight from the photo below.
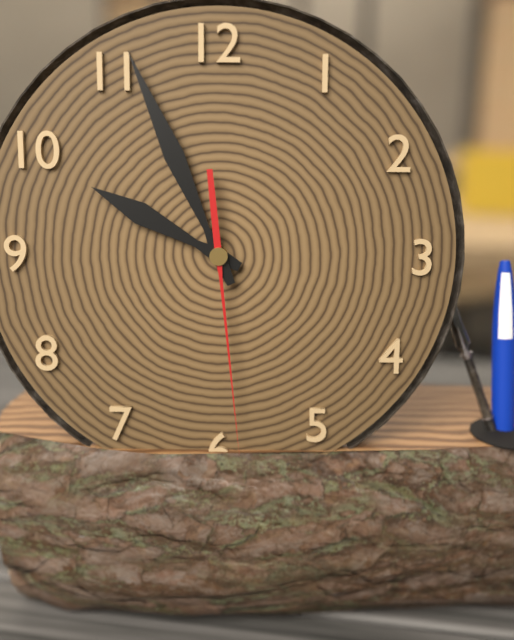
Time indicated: 9:56:29
